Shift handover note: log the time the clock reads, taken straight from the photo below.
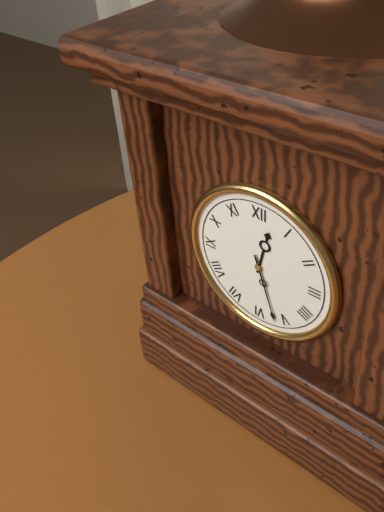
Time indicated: 12:27
